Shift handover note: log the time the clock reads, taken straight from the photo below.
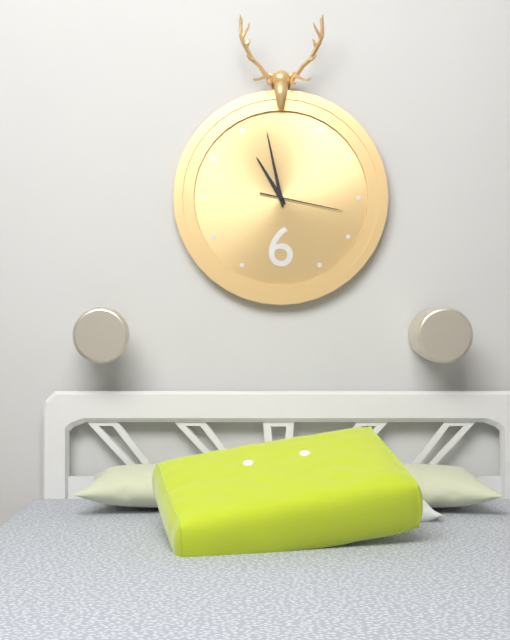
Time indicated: 10:58:17
